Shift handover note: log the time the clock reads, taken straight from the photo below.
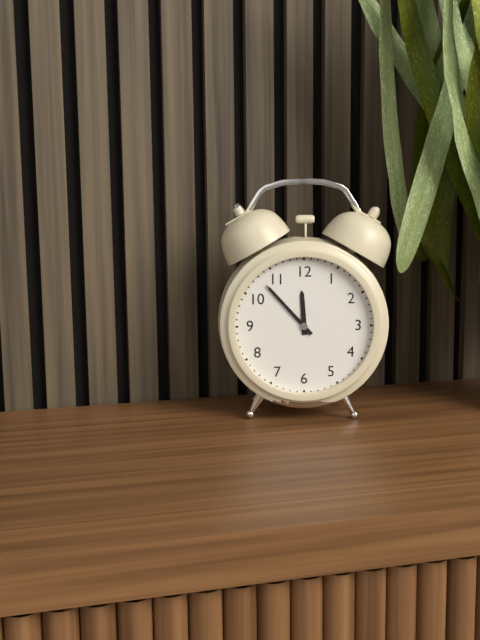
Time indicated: 11:53
